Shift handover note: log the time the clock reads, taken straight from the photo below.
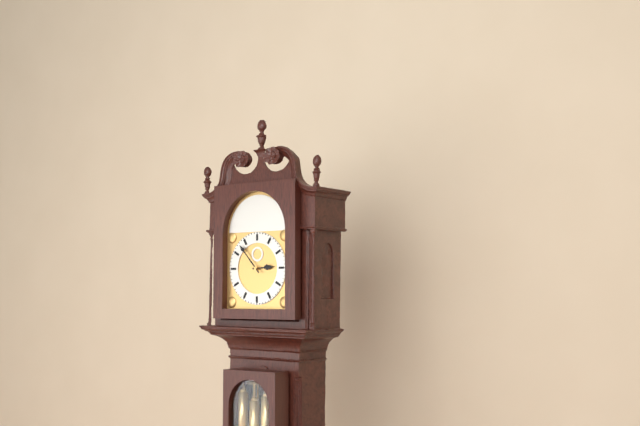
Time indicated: 2:53
